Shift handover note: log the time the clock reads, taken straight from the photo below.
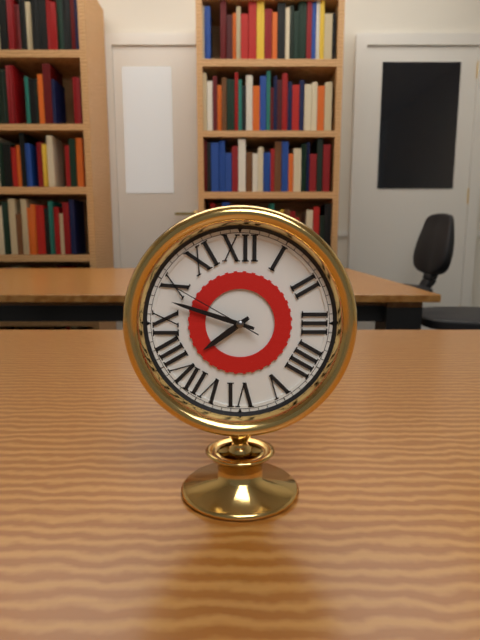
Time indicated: 7:48:50
